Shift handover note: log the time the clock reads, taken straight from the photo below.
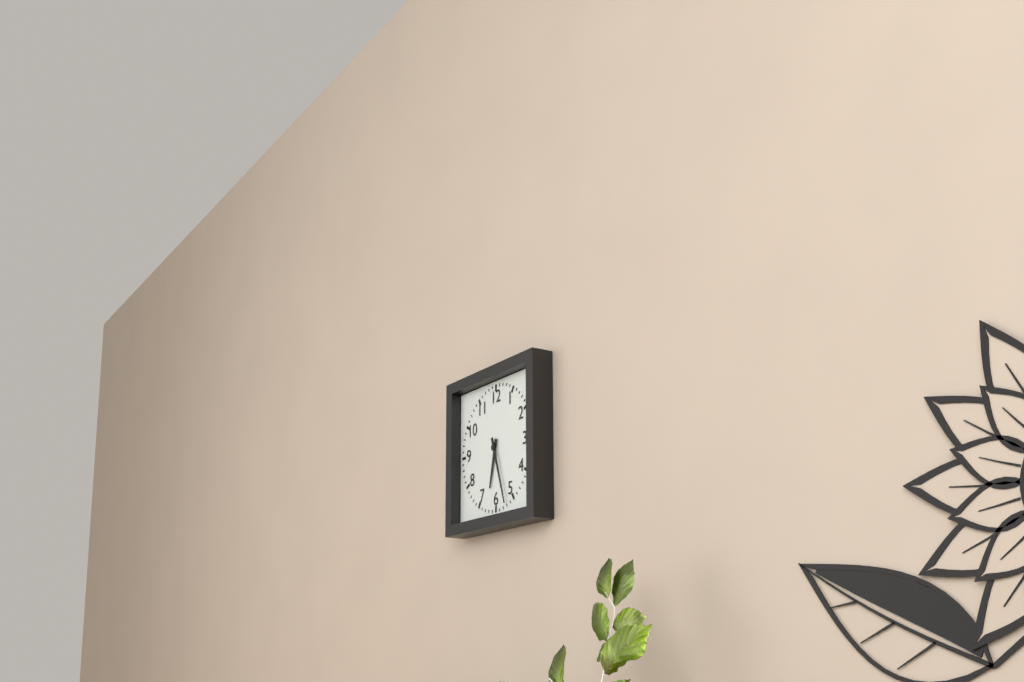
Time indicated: 6:27
